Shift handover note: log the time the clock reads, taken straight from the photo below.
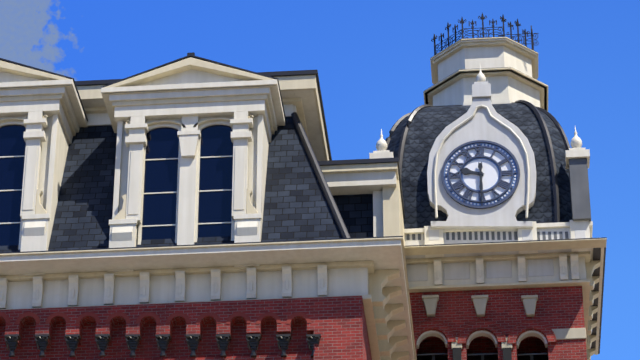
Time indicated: 9:30
